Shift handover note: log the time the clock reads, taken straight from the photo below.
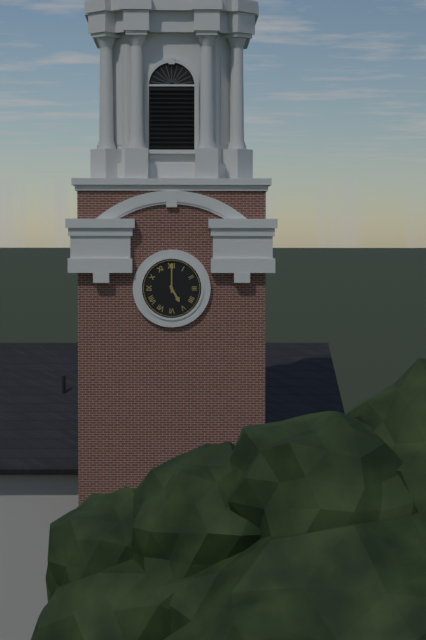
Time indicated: 5:00
